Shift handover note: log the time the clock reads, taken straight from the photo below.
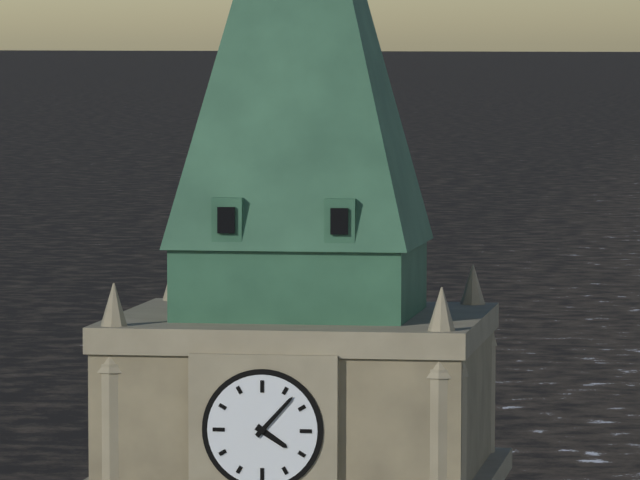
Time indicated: 4:07
